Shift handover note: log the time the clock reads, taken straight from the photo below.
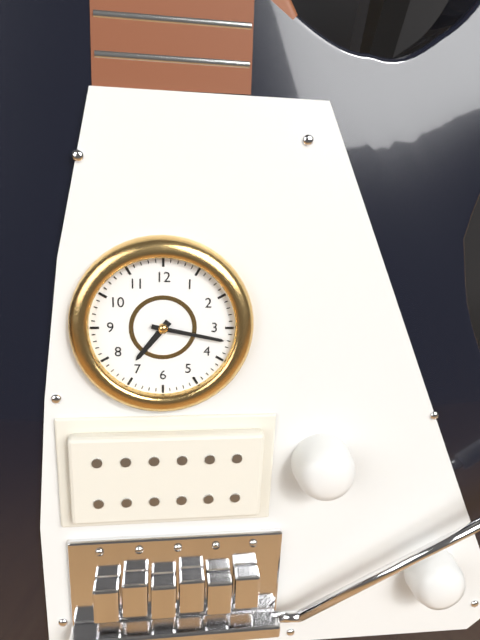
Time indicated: 7:17
